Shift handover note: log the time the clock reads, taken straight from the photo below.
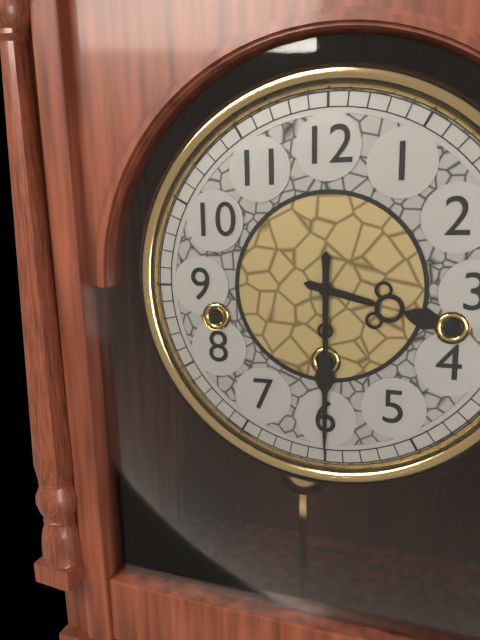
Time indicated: 3:30
